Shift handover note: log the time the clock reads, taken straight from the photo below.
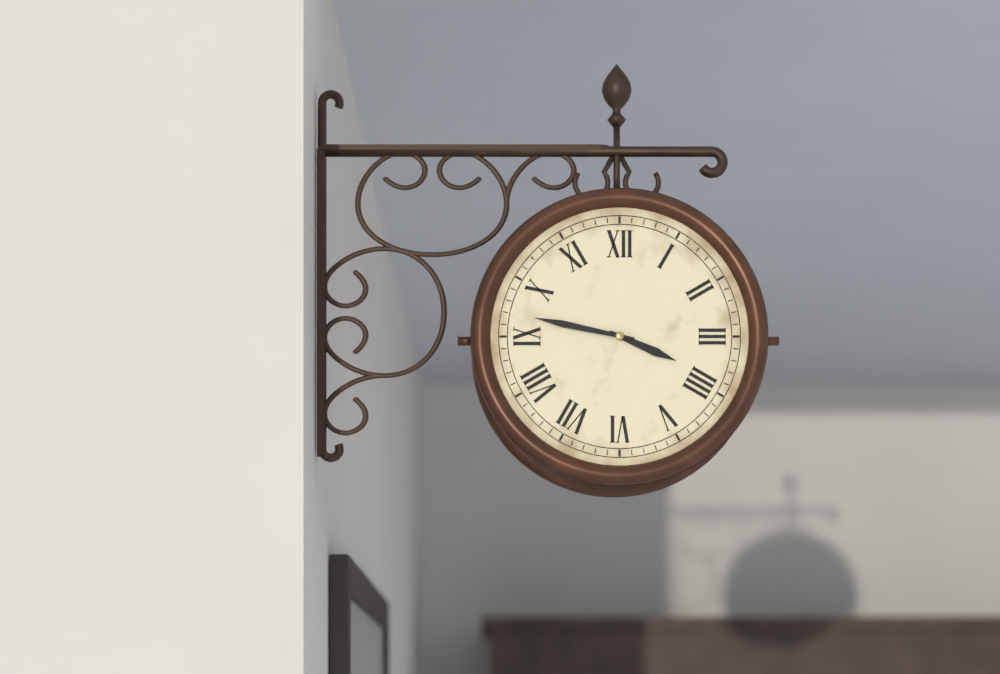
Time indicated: 3:47
